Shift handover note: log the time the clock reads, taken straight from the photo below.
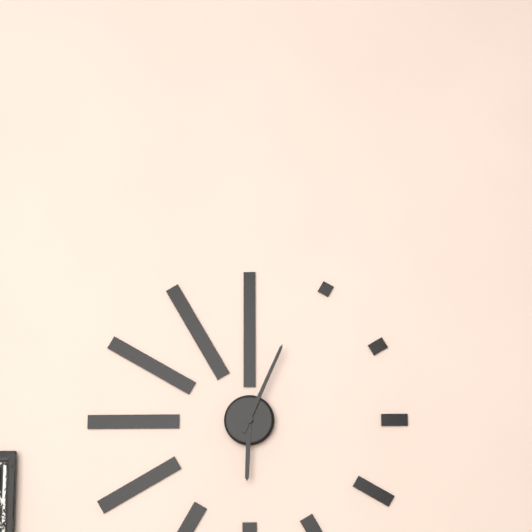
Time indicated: 6:04
